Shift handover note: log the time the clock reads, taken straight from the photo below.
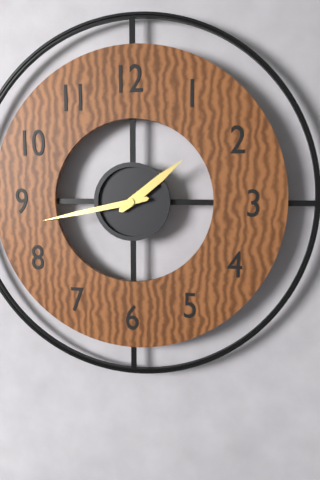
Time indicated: 1:43
